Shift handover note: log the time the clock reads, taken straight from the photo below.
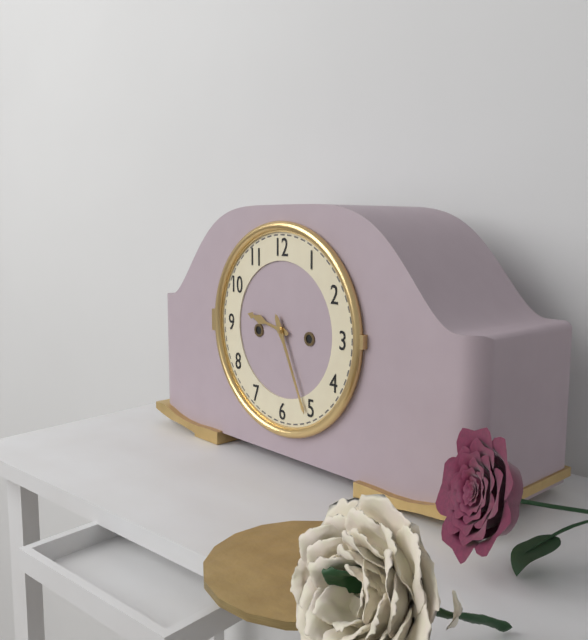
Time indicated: 9:26
